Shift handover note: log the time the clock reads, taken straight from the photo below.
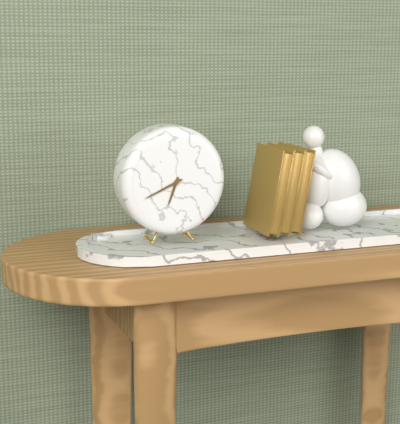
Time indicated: 6:41
